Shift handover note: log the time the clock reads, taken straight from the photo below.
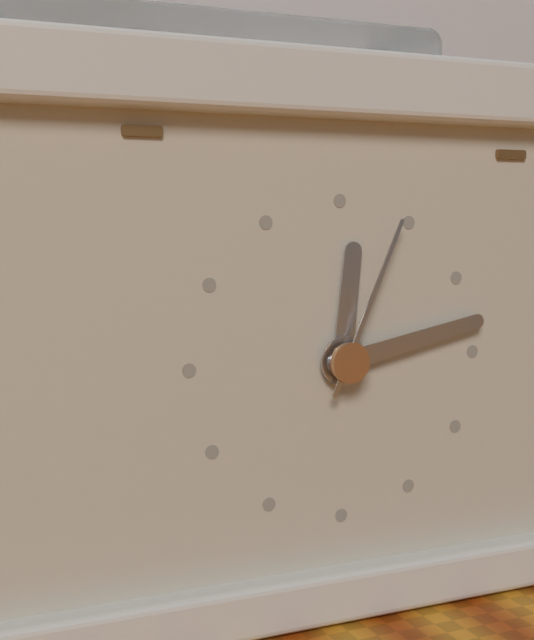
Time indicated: 12:13:04
